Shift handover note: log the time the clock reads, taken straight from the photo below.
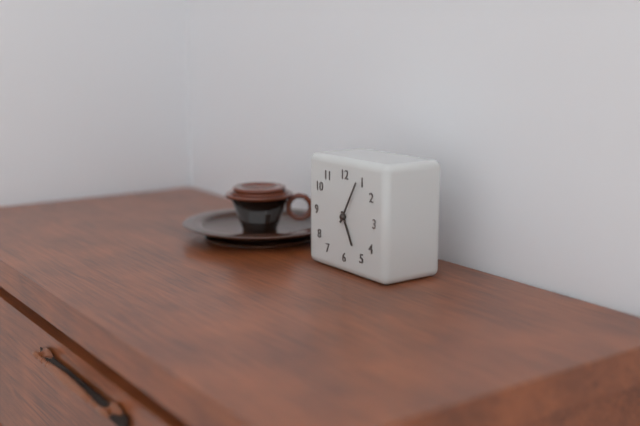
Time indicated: 5:05
